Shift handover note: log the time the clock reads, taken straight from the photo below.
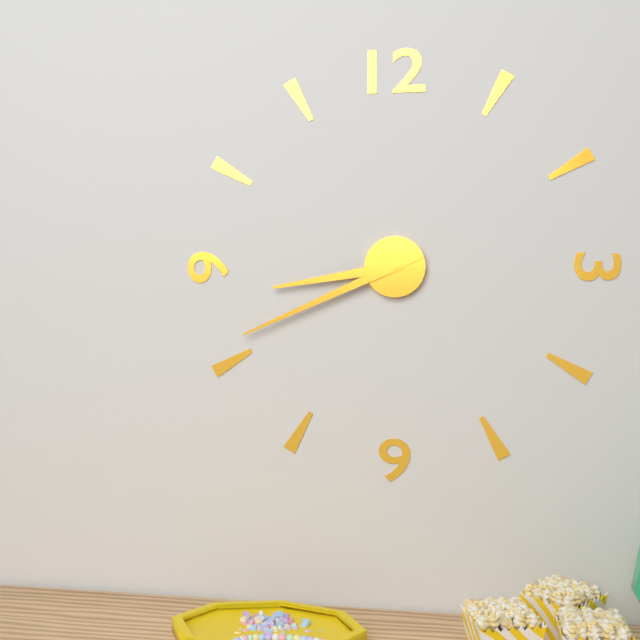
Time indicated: 8:41
